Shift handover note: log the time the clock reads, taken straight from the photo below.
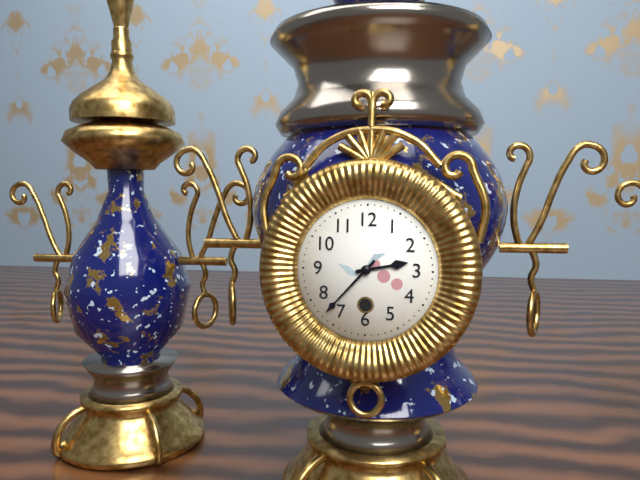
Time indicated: 2:37
